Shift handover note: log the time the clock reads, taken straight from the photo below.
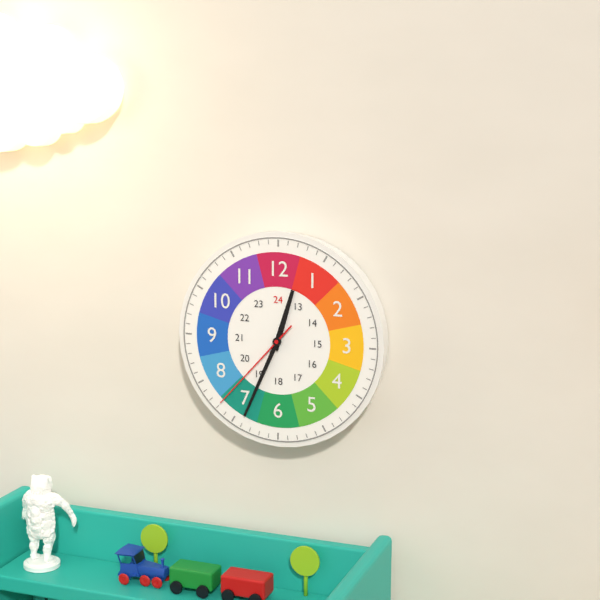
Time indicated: 12:34:37
